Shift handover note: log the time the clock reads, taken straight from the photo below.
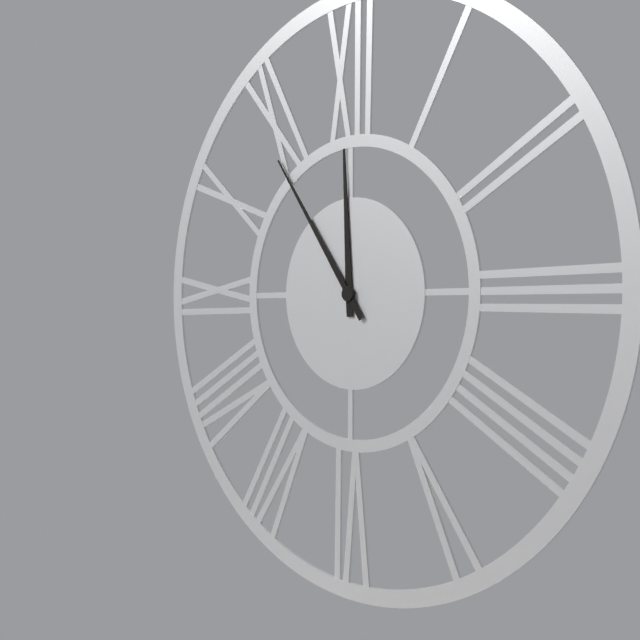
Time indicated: 11:54
